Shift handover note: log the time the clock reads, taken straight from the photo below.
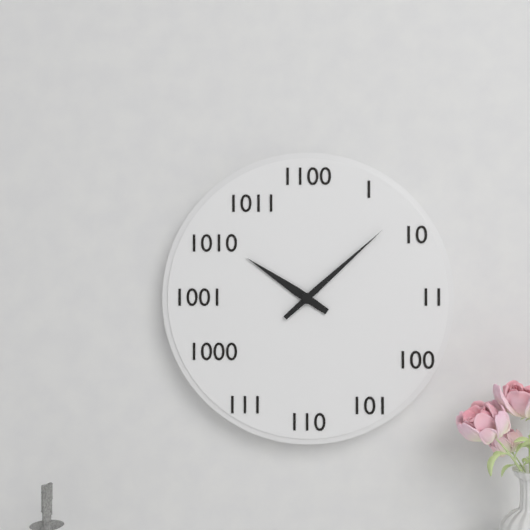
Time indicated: 10:08
